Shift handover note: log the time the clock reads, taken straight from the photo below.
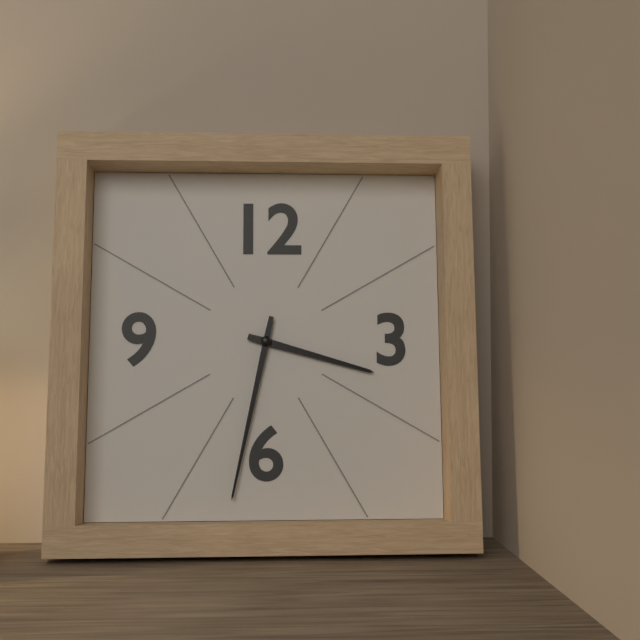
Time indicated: 3:32
